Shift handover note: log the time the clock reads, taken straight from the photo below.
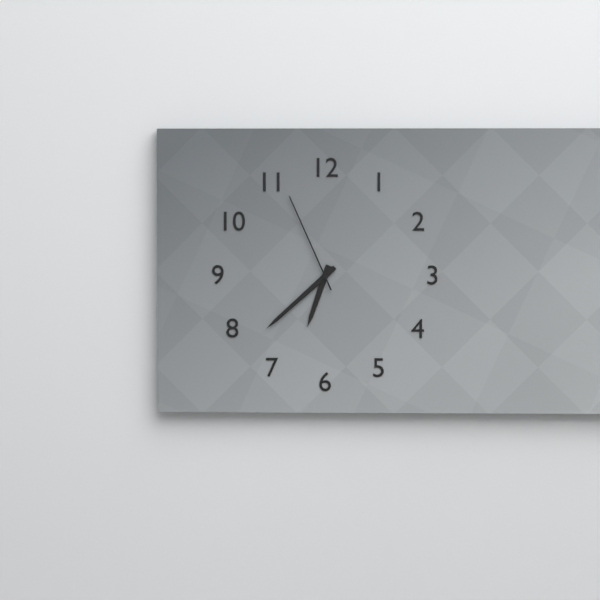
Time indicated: 6:38:56
